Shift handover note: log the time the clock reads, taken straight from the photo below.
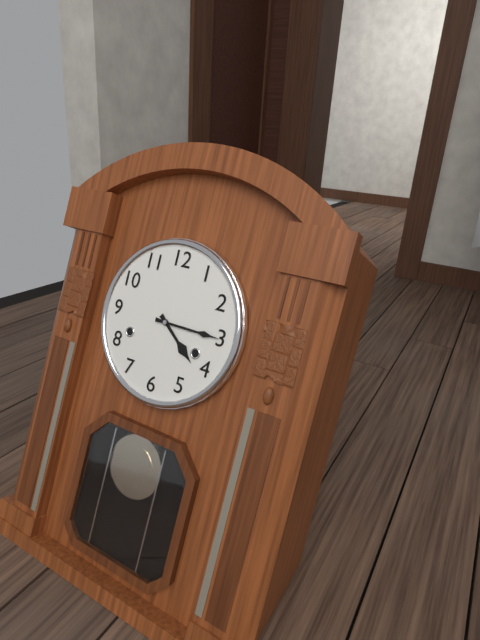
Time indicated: 4:15
